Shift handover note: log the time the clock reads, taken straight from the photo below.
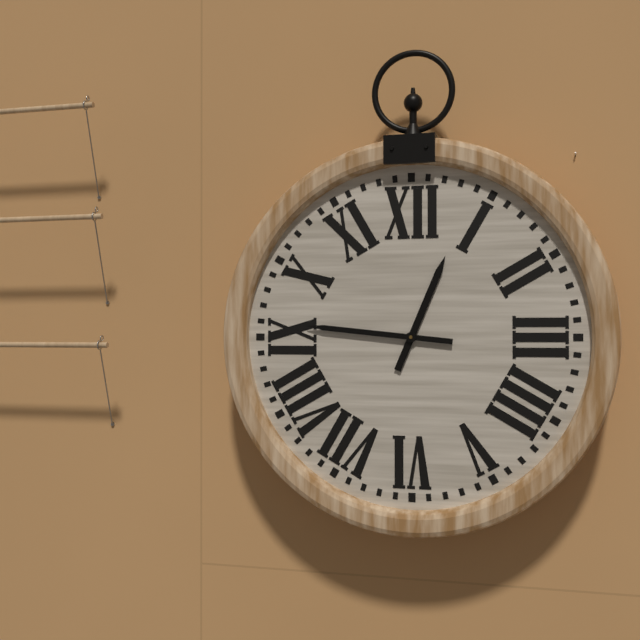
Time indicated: 12:46
